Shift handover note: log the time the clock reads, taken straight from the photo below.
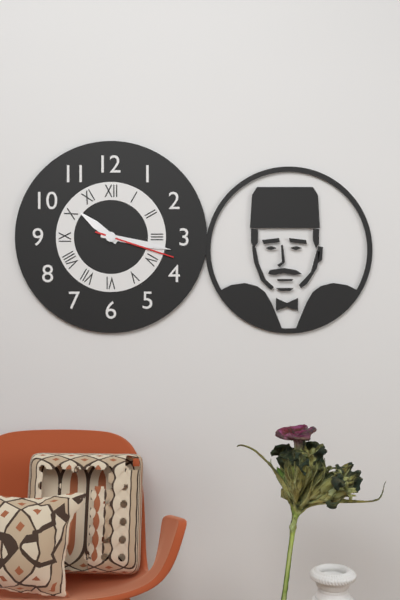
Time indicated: 10:17:18
